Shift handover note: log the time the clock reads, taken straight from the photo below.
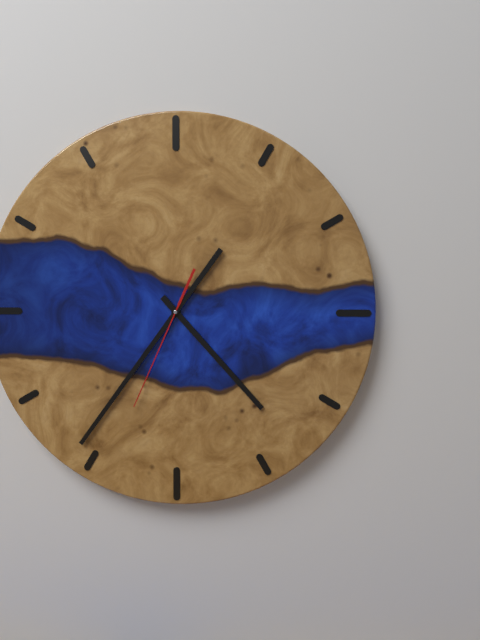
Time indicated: 4:36:34
